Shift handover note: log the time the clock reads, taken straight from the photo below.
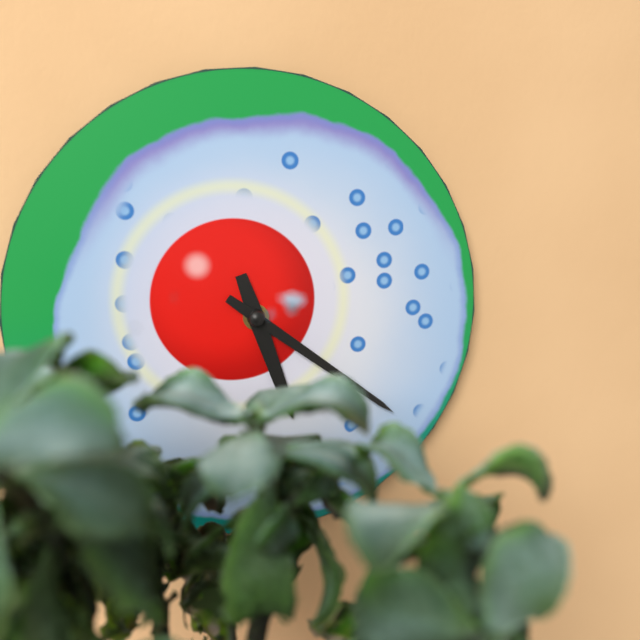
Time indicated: 5:21
